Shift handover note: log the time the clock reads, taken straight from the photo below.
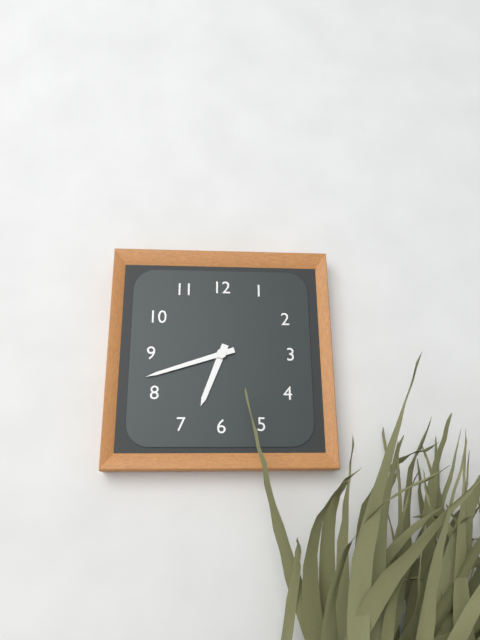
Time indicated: 6:42
